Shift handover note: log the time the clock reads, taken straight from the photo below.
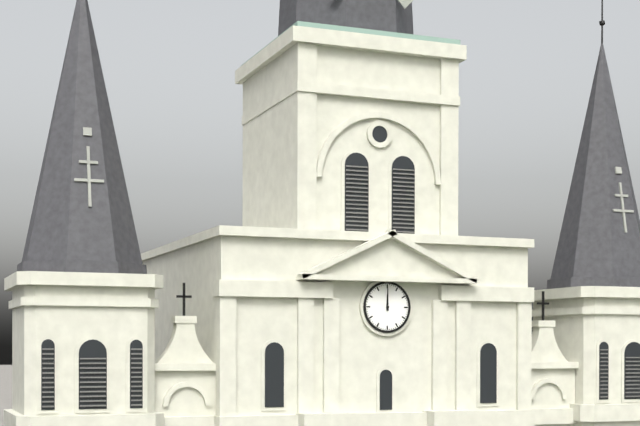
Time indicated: 12:00
